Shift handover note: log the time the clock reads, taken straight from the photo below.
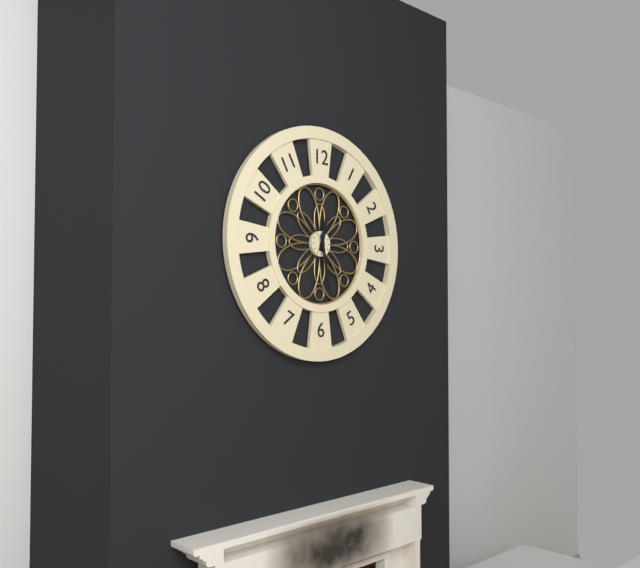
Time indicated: 12:28
